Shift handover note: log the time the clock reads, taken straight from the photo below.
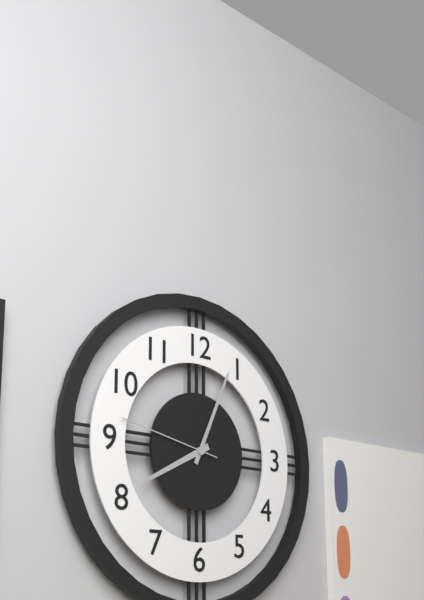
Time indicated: 8:04:47
